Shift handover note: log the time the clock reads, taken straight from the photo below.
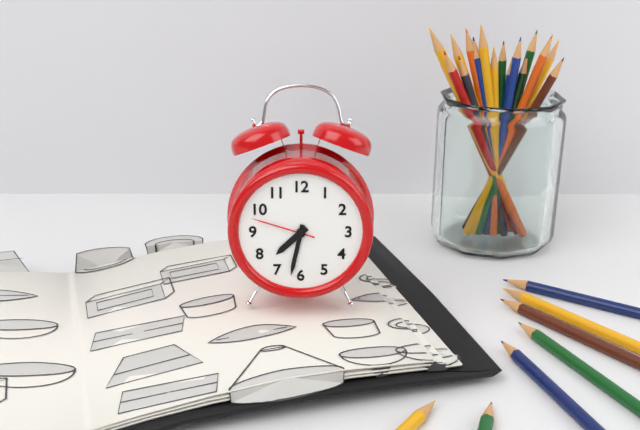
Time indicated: 7:32:48
